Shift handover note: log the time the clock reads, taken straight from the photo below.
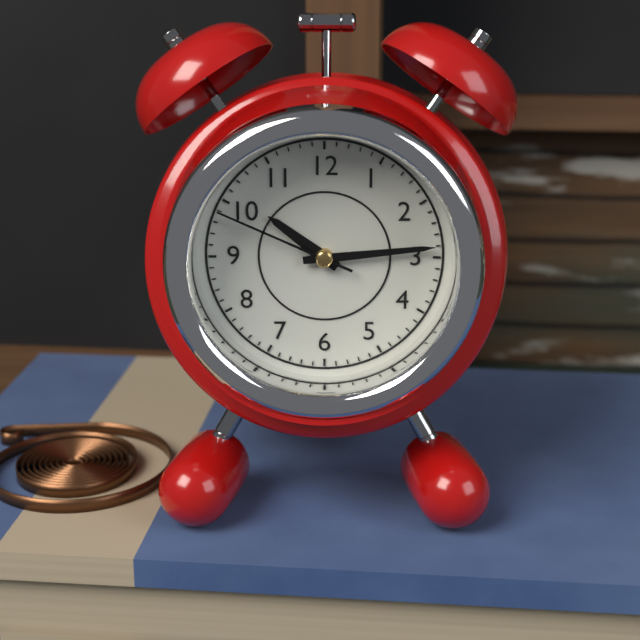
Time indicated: 10:14:49
